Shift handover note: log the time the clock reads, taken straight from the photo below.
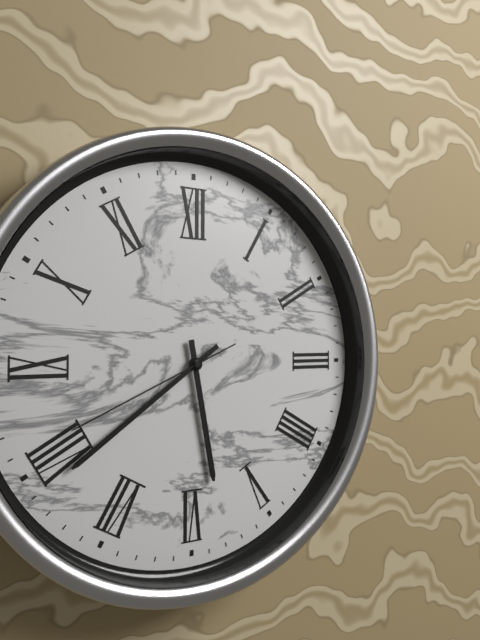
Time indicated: 5:39:41
